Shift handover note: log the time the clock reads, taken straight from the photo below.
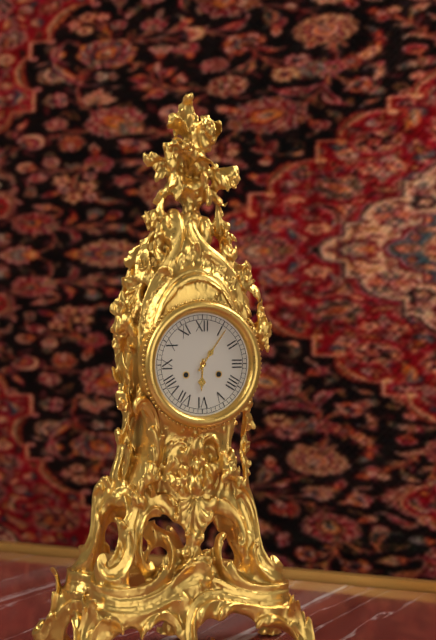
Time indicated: 6:06
